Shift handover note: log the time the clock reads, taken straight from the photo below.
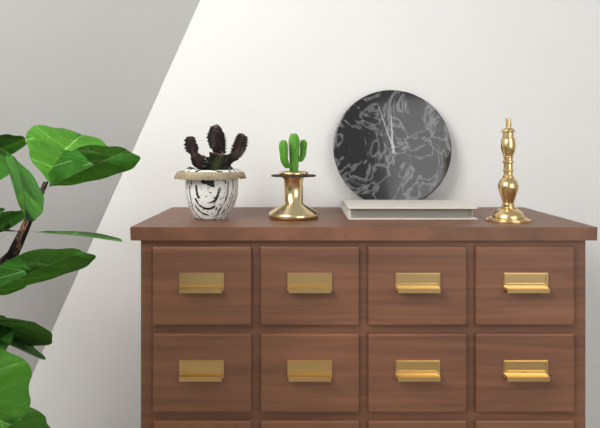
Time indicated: 11:57
